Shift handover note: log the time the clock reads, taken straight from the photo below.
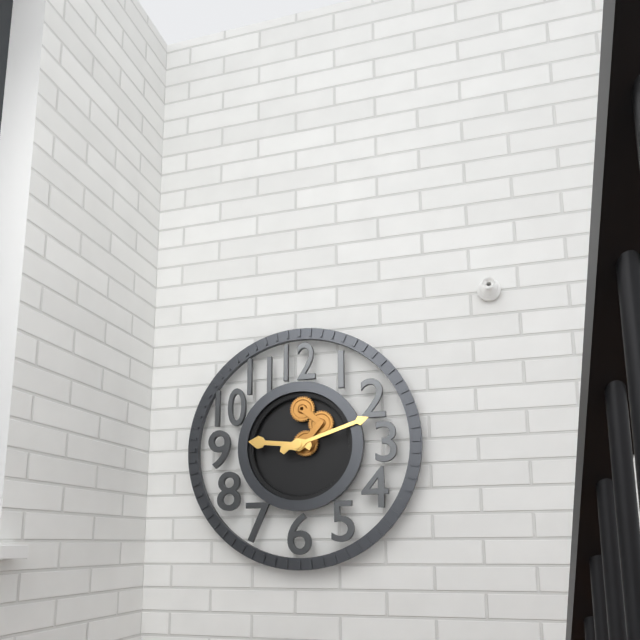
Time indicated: 9:12
